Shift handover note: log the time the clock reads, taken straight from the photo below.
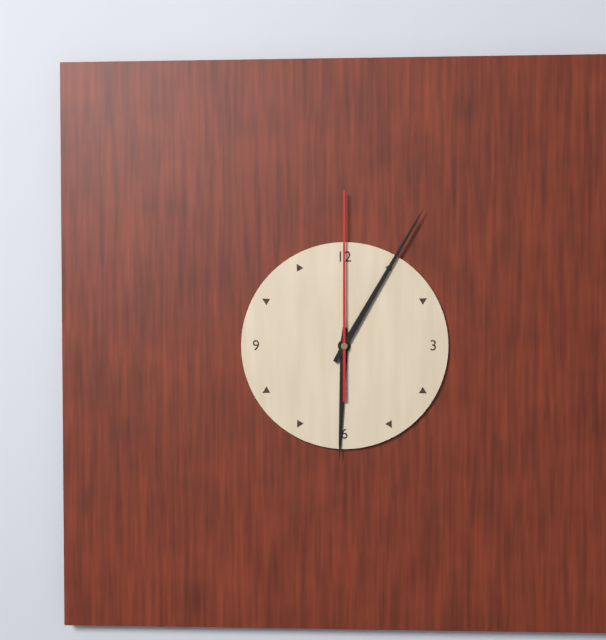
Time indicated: 6:05:00
